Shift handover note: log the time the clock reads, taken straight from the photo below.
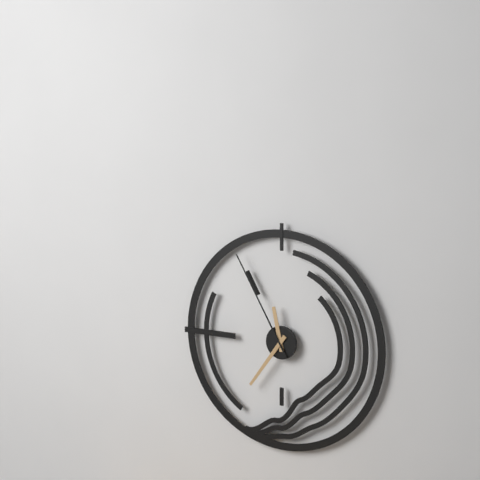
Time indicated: 11:36:55
